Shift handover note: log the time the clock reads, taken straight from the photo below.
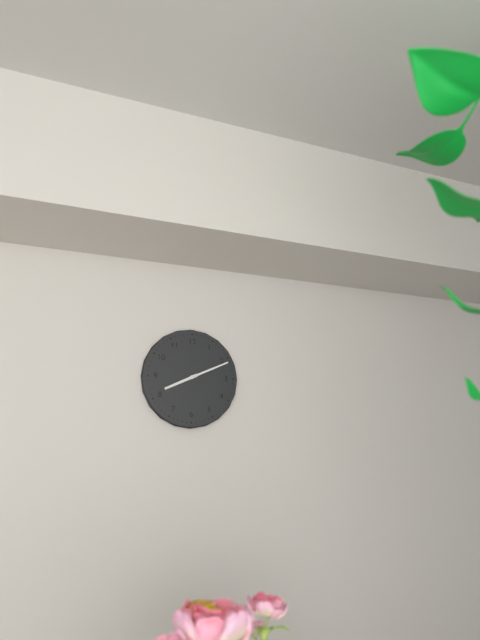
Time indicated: 8:11
